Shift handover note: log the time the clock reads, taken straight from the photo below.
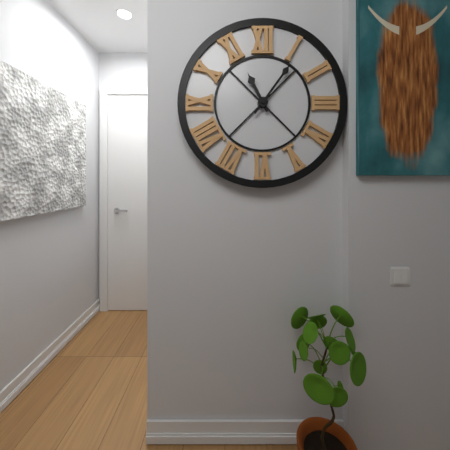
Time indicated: 11:06
